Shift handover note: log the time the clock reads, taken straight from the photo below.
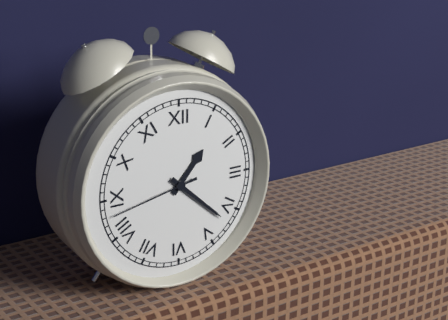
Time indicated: 1:22:43
